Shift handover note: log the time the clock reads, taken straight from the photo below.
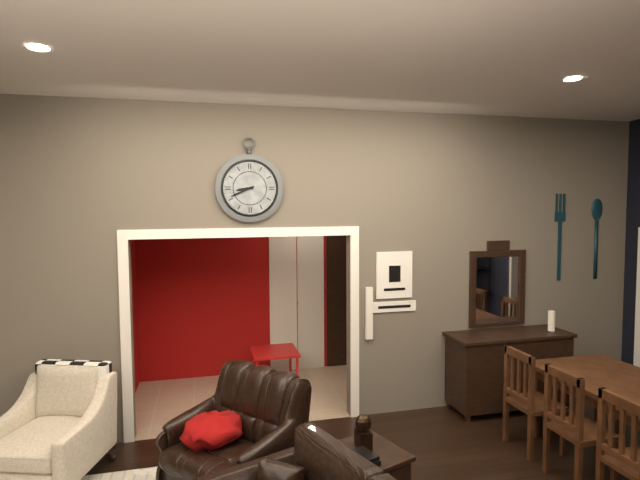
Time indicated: 8:41
